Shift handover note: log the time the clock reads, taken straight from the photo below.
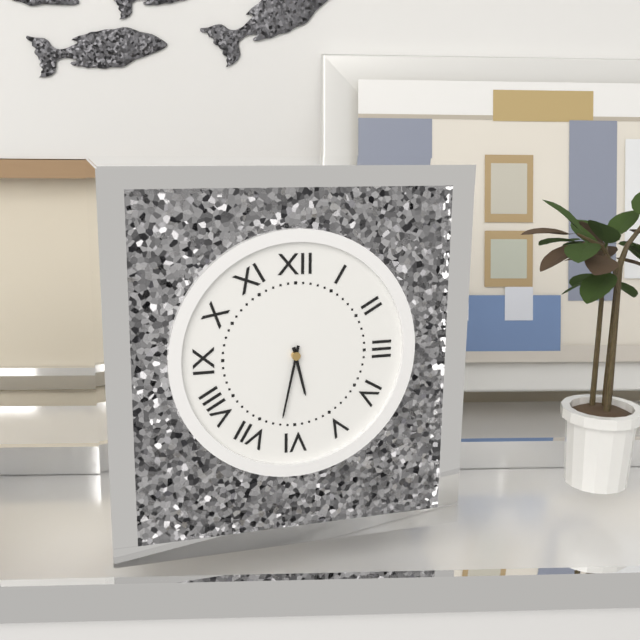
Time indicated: 5:32
